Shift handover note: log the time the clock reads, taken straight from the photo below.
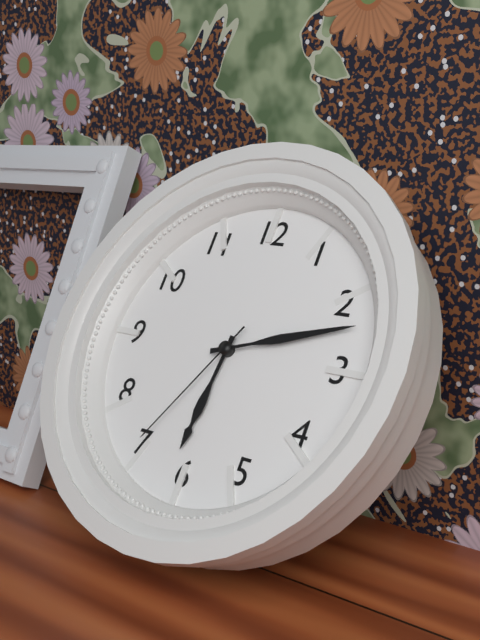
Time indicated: 6:12:35
